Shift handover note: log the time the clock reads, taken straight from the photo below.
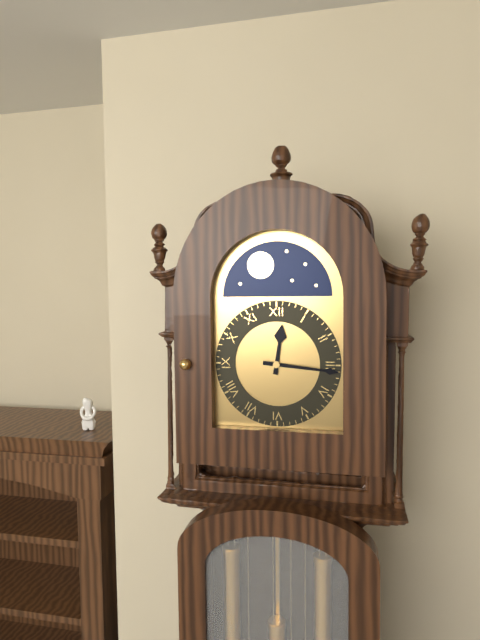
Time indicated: 12:16
